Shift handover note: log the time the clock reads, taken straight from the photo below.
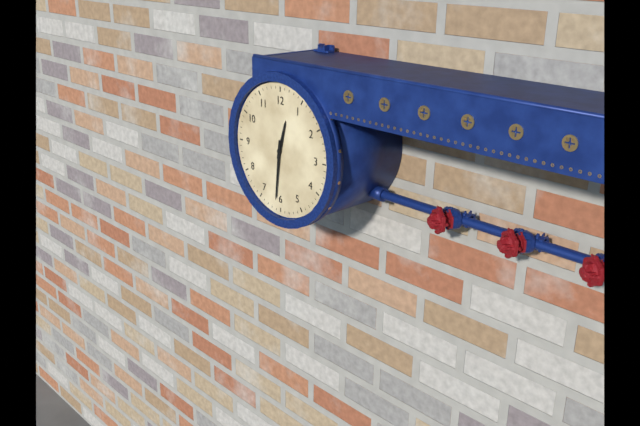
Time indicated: 12:31
